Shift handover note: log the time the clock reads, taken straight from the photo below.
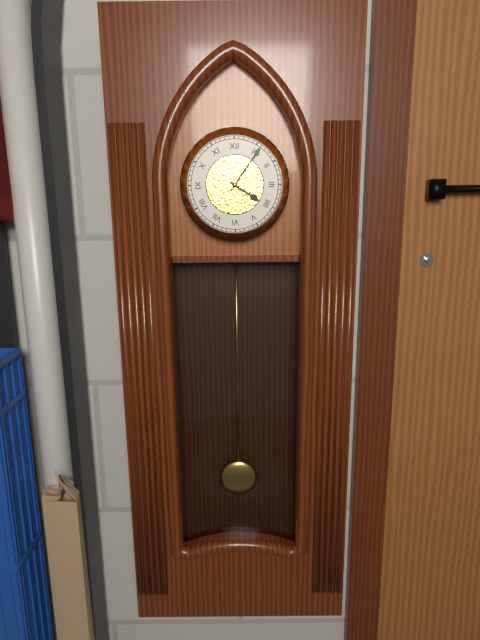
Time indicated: 4:06
